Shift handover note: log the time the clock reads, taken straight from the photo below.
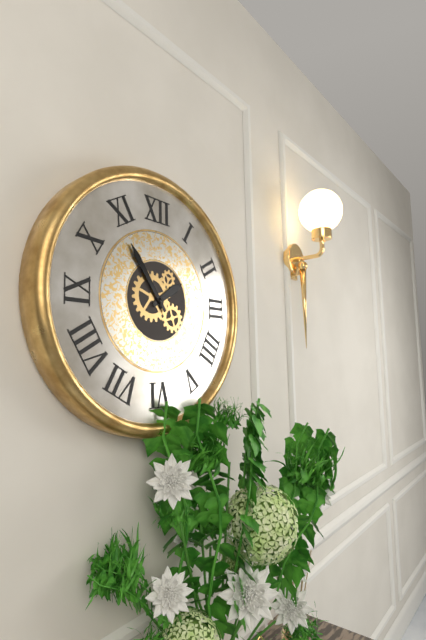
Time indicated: 1:54
